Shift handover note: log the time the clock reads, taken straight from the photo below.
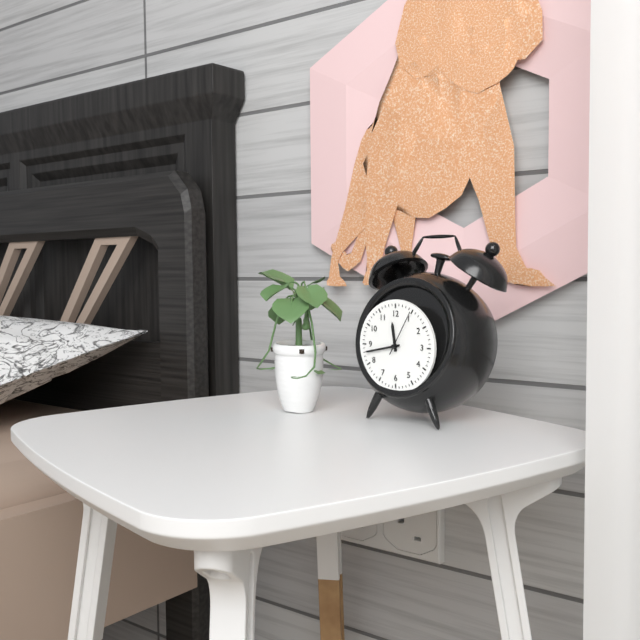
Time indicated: 11:43
